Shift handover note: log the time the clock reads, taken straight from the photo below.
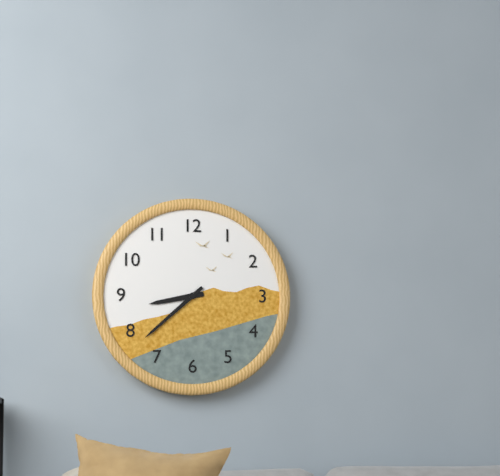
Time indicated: 8:38
